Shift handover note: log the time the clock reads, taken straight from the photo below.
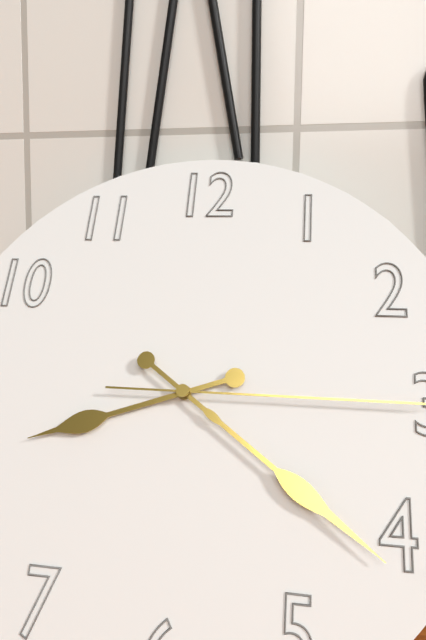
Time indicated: 8:21
